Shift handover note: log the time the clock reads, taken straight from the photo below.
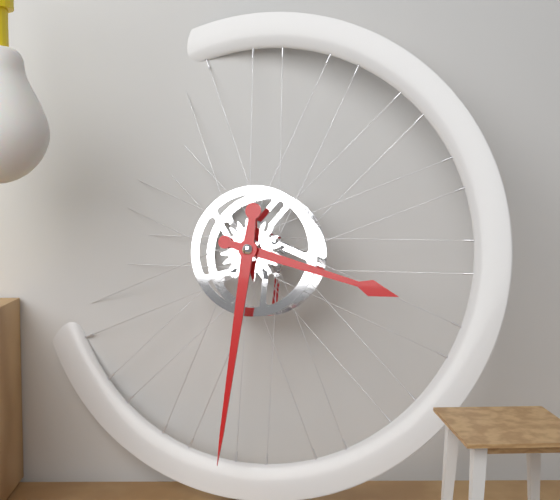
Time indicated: 3:31
